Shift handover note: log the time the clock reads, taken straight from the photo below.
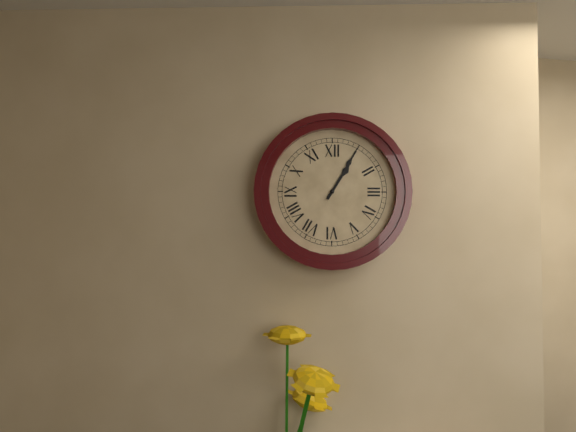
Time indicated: 1:05
